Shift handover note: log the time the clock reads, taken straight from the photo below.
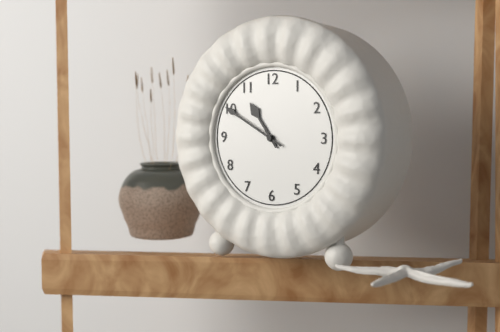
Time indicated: 10:50
